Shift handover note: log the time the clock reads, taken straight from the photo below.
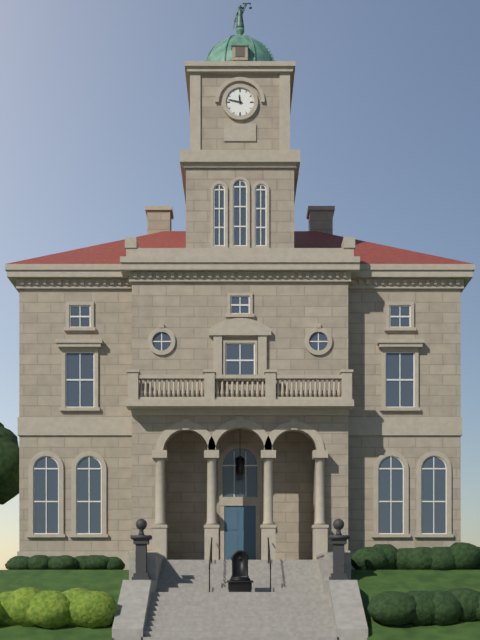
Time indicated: 11:47
